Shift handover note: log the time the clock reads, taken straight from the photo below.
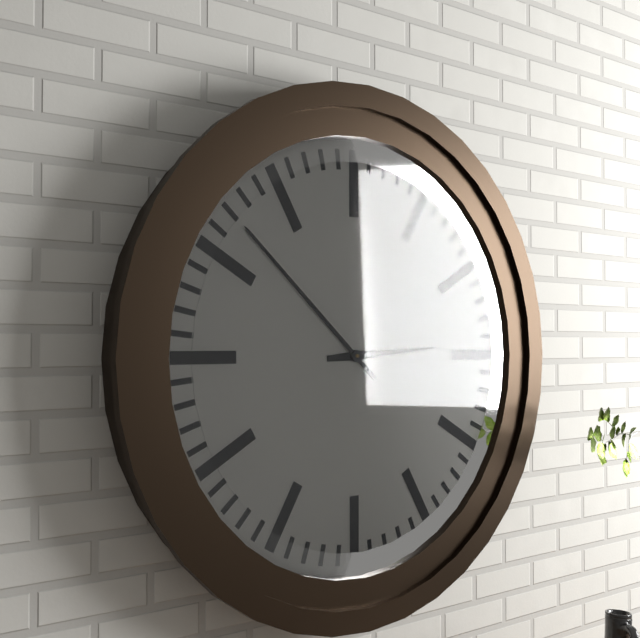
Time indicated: 2:52
